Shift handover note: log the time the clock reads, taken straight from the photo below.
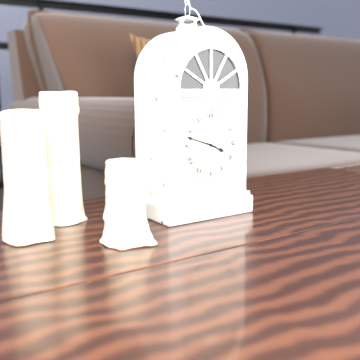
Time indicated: 3:48
